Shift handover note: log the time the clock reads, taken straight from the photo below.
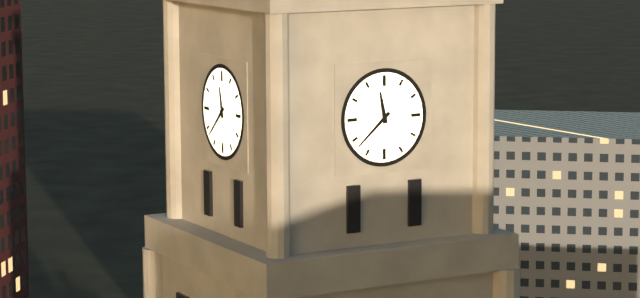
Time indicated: 11:38
